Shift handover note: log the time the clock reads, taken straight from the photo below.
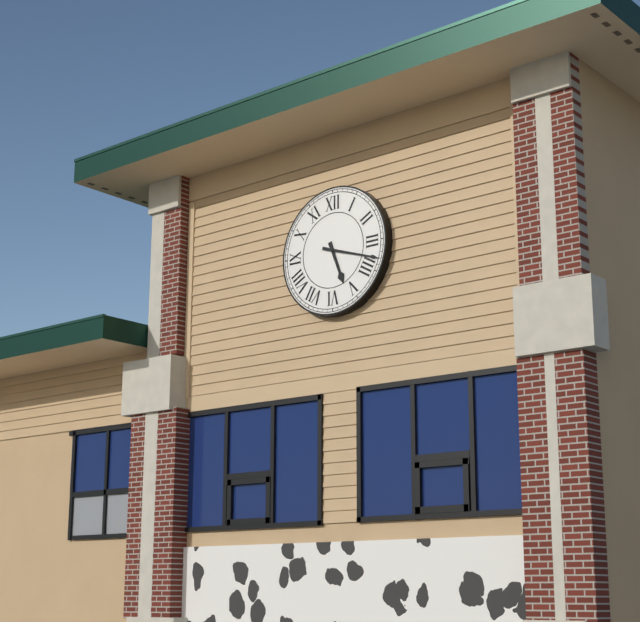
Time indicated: 5:18
